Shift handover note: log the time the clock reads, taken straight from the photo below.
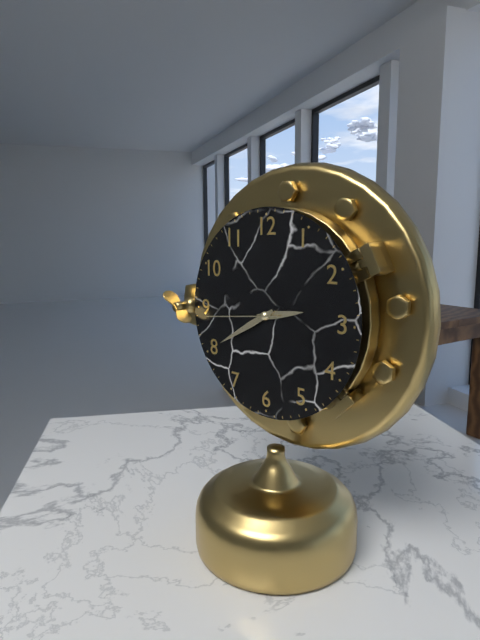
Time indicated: 2:40:44
